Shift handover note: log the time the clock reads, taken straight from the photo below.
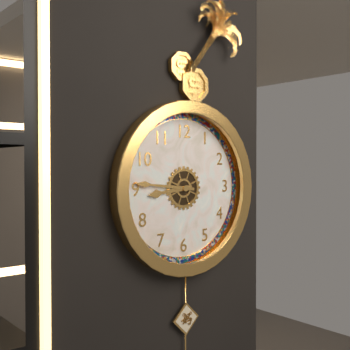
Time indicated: 8:46
